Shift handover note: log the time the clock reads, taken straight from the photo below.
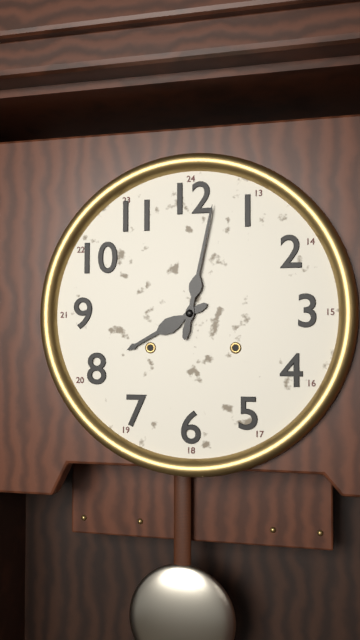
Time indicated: 8:02
